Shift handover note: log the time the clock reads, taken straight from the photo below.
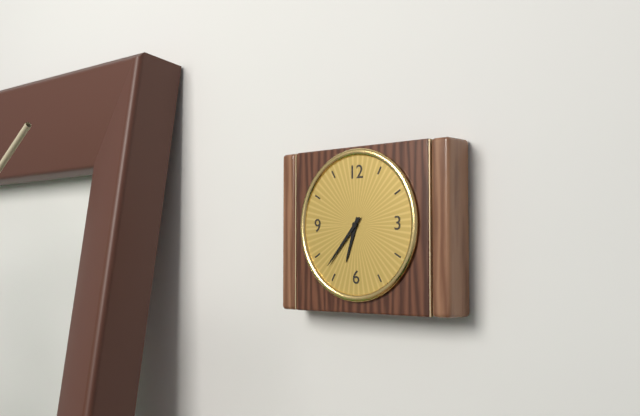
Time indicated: 6:37
